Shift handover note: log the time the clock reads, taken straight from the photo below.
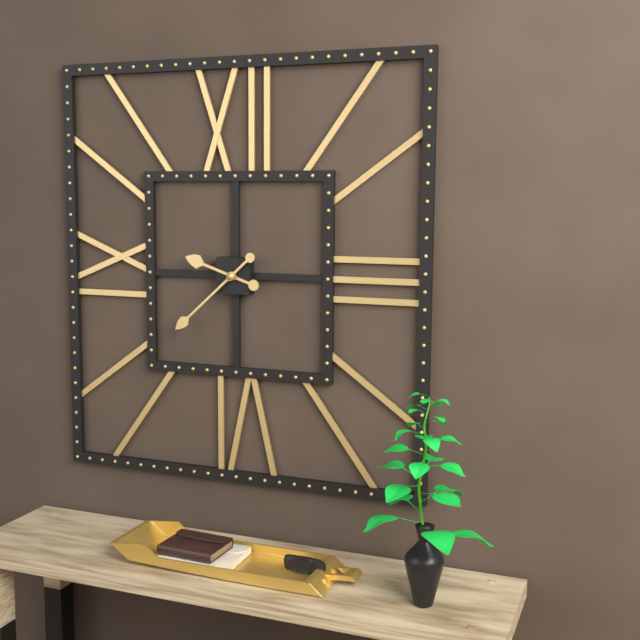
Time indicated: 9:38
